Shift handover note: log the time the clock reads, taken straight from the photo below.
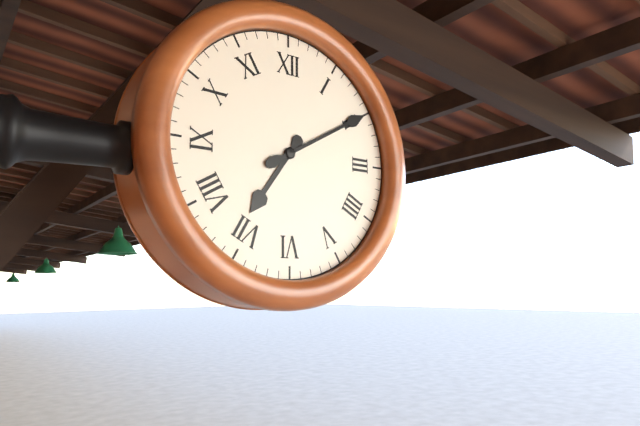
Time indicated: 7:10
